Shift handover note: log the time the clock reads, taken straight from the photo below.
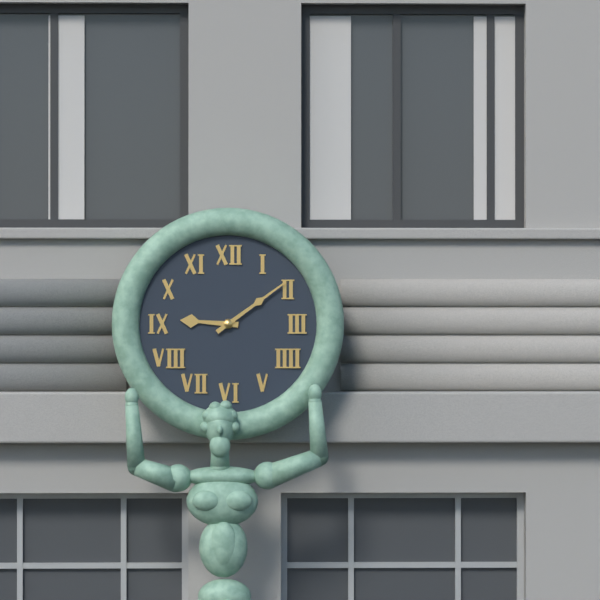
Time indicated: 9:09
